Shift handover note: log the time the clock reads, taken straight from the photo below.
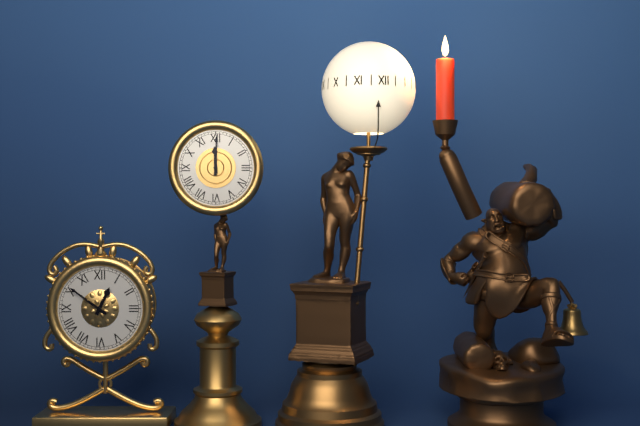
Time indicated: 12:51
